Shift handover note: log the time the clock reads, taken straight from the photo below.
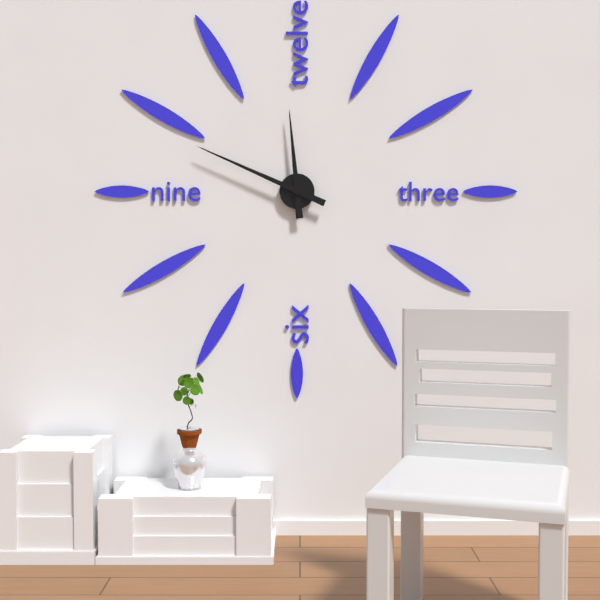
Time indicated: 11:49
